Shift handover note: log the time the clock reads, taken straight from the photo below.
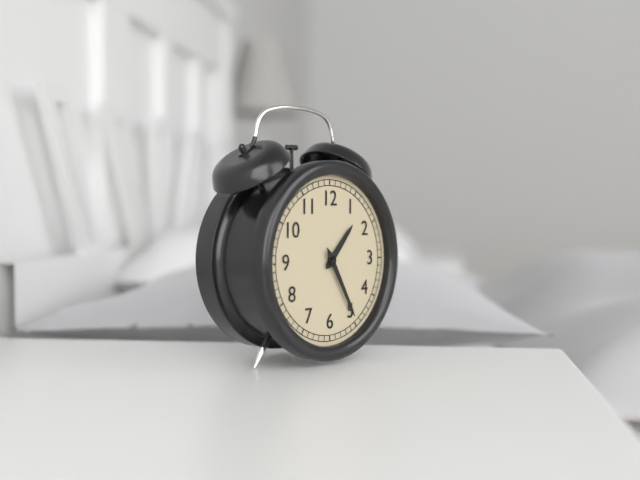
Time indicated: 1:25
